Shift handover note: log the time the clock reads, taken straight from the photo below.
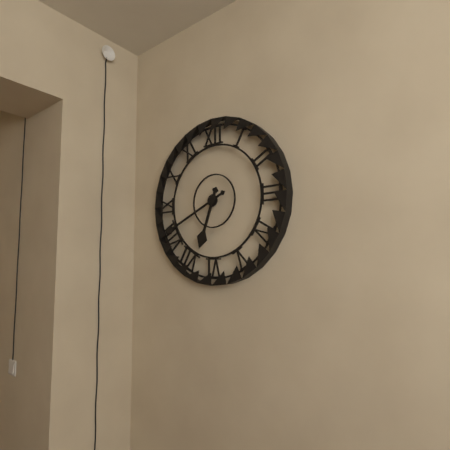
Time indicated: 6:41
